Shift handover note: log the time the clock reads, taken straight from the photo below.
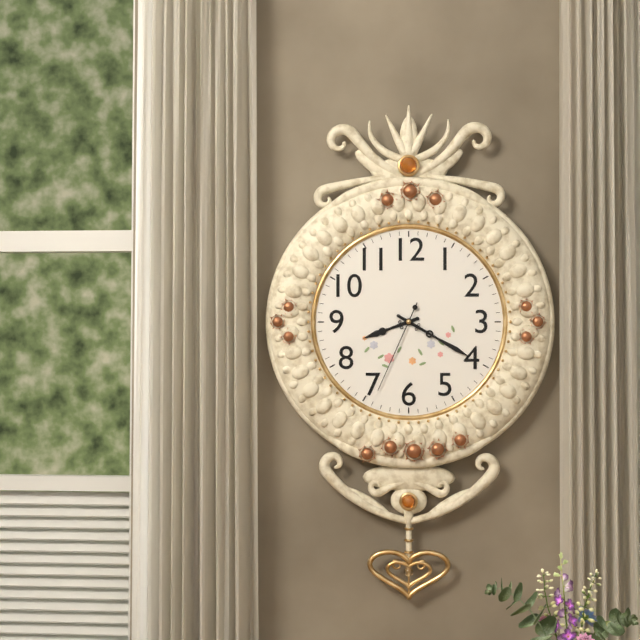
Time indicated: 8:20:34
